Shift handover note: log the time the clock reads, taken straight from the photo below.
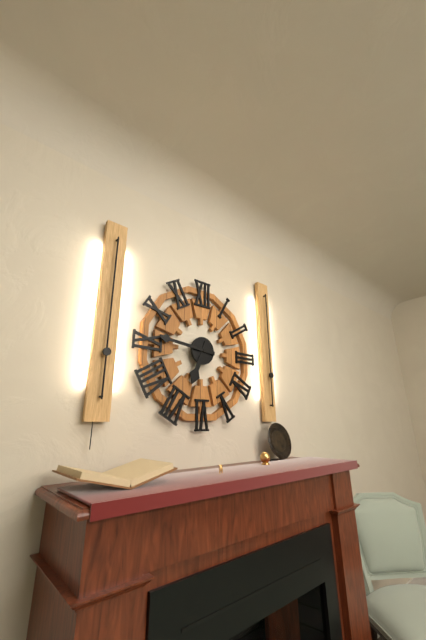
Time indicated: 6:46
